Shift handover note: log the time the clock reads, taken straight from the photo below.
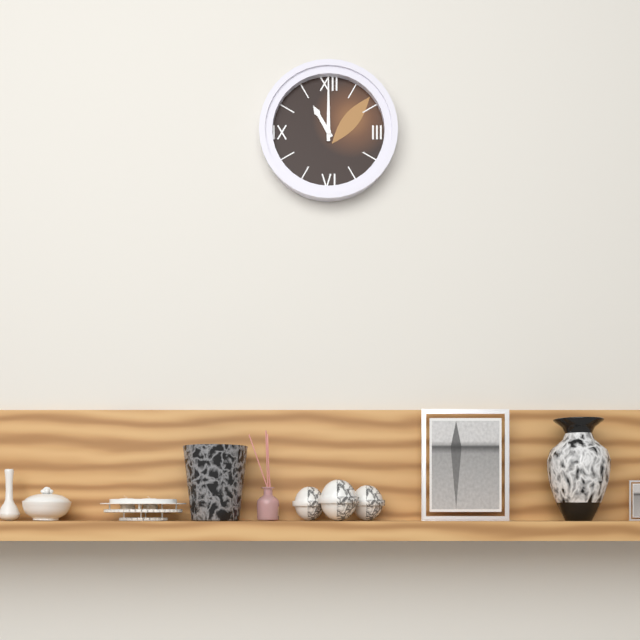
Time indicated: 11:00
